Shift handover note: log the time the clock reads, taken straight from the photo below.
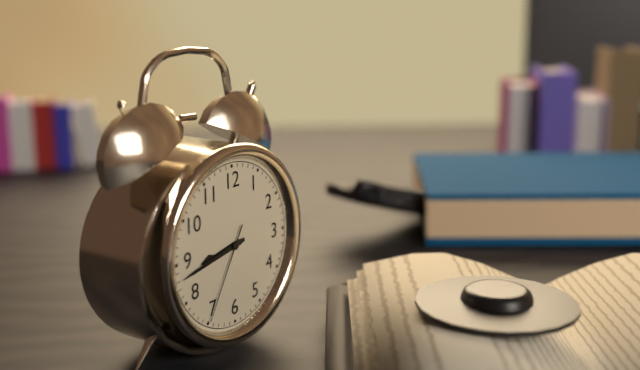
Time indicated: 8:43:35
